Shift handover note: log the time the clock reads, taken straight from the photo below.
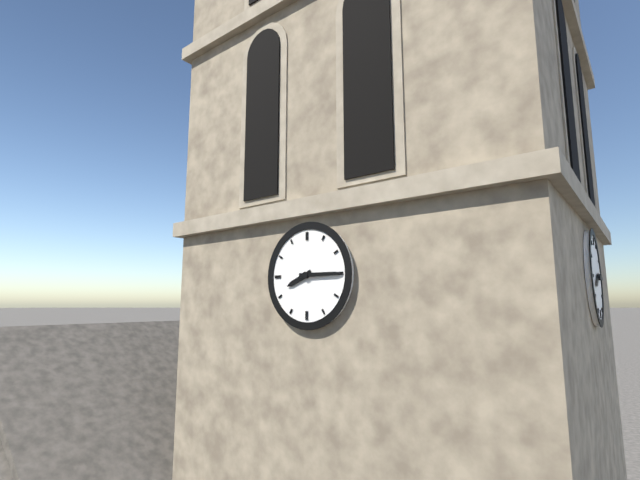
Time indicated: 8:15
